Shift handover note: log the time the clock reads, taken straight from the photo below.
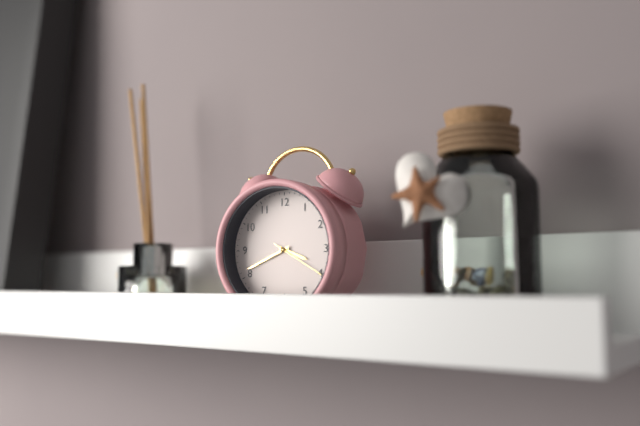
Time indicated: 3:41:20
